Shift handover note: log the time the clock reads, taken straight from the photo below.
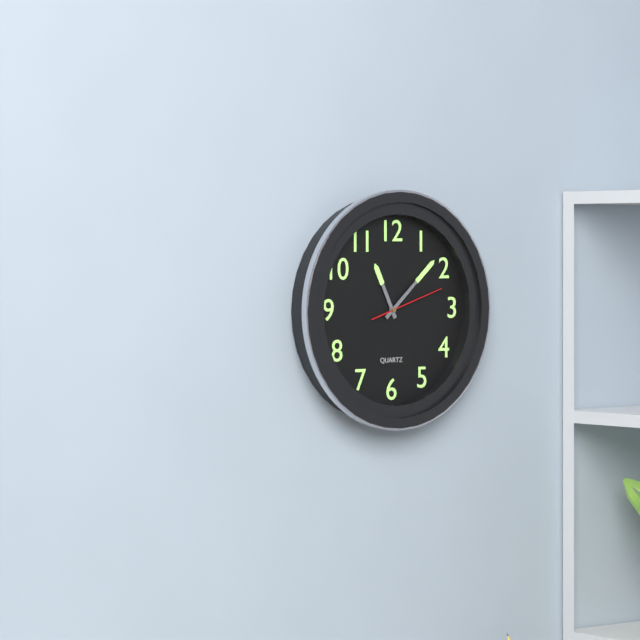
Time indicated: 11:08:12
